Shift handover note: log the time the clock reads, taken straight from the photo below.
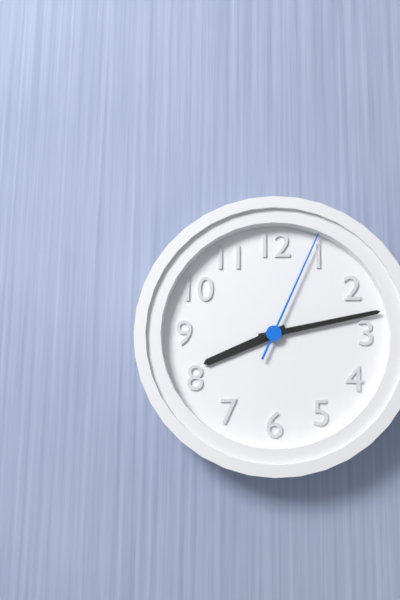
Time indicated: 8:13:04
